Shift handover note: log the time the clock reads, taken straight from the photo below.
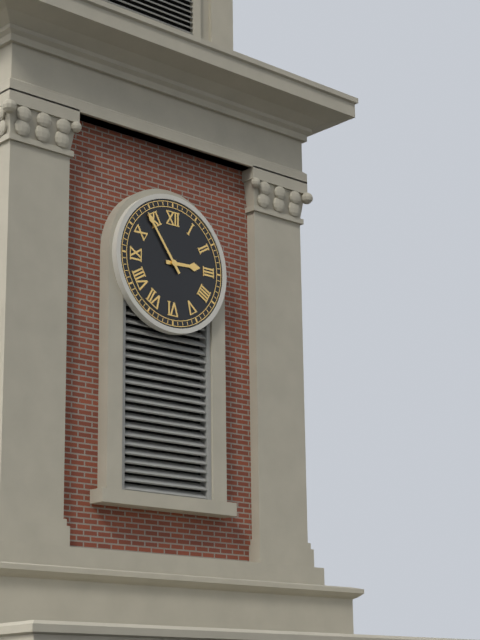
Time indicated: 2:54
